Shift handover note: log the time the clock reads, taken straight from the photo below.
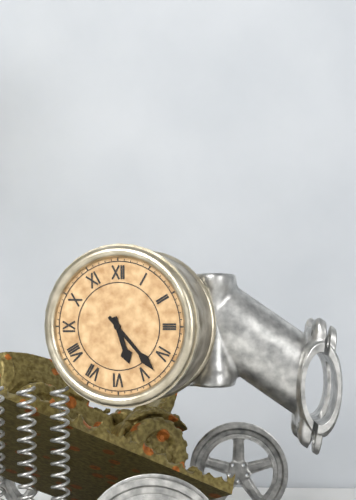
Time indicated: 5:23
